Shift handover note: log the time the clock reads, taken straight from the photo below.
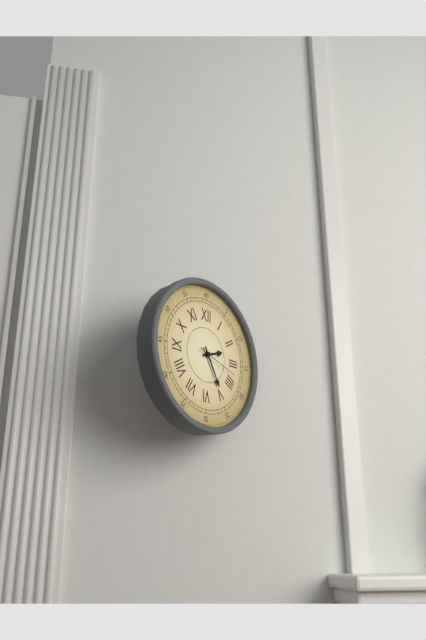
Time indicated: 2:25
